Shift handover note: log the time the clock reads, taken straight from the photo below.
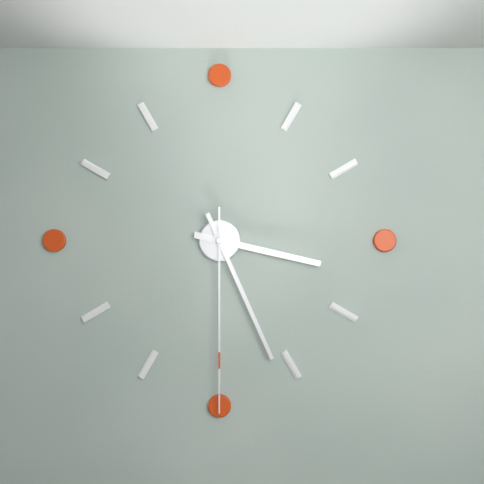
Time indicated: 3:26:30
